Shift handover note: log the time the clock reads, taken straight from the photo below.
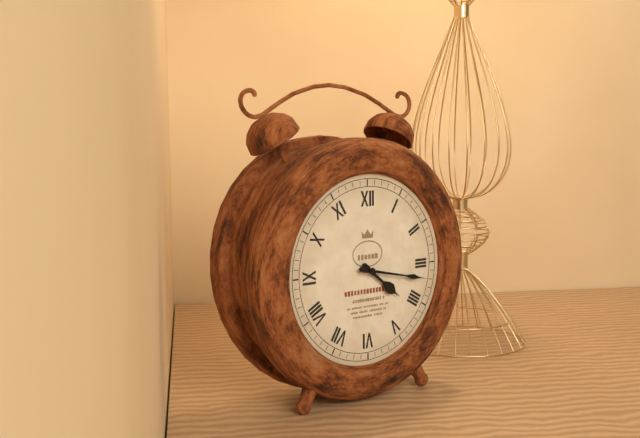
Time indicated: 4:17
